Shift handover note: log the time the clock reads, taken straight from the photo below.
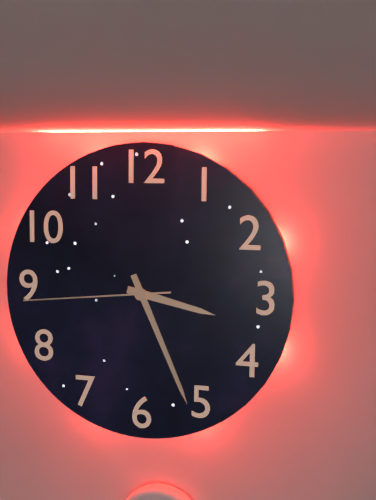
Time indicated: 3:26:44
